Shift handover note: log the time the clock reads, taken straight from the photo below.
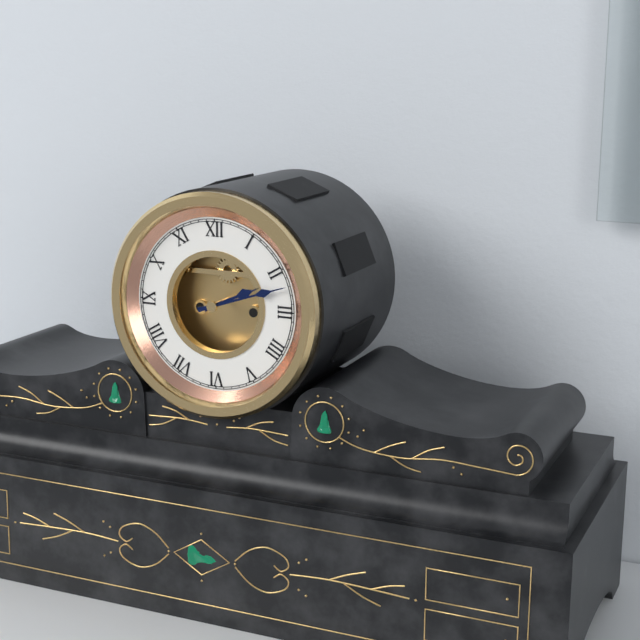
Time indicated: 2:12
